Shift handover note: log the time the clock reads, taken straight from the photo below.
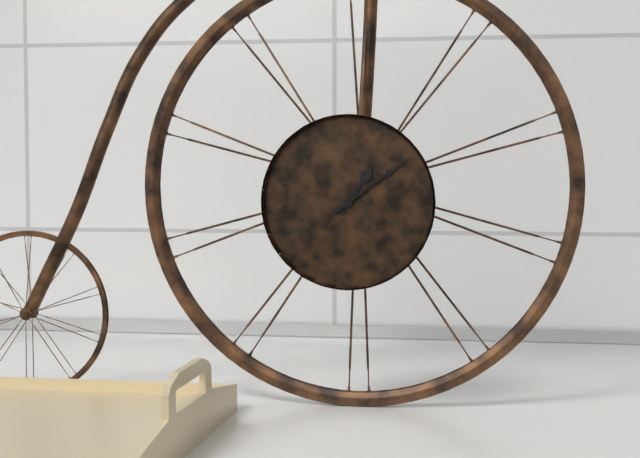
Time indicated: 1:09
